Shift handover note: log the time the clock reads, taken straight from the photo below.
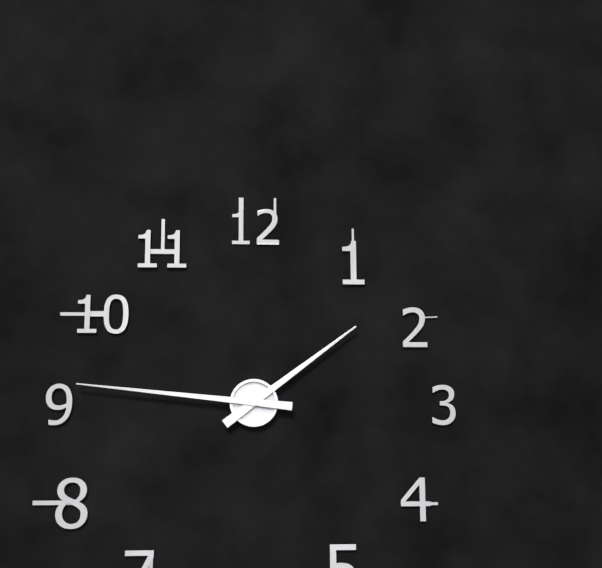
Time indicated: 1:46
